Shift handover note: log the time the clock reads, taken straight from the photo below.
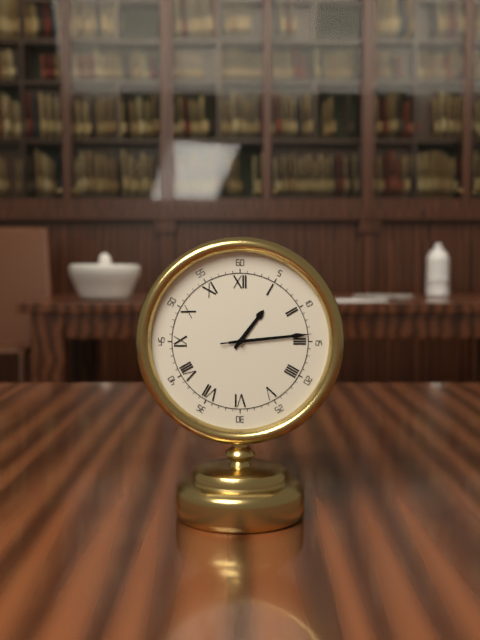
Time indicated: 1:14:14
